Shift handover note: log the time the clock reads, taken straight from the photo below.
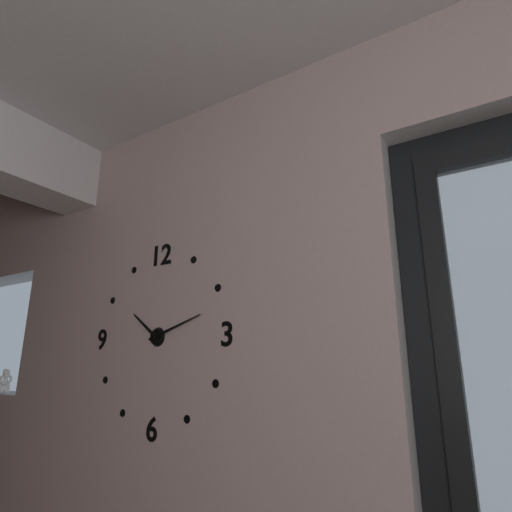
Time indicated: 10:12
